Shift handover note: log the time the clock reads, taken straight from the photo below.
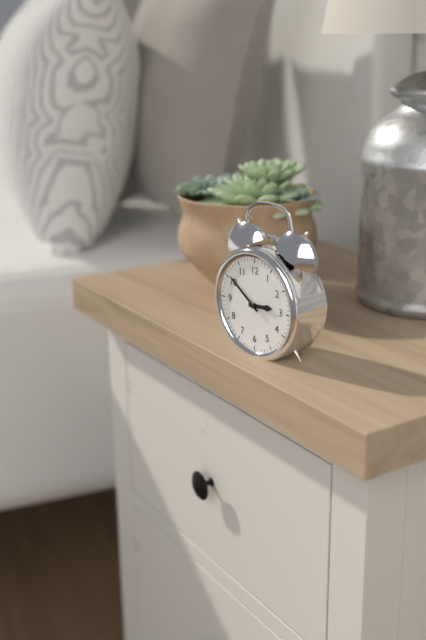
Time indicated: 2:51
